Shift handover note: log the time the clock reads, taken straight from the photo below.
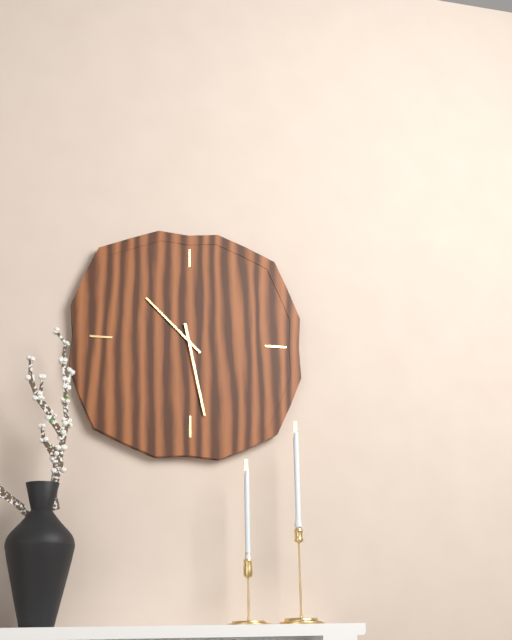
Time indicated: 10:28
